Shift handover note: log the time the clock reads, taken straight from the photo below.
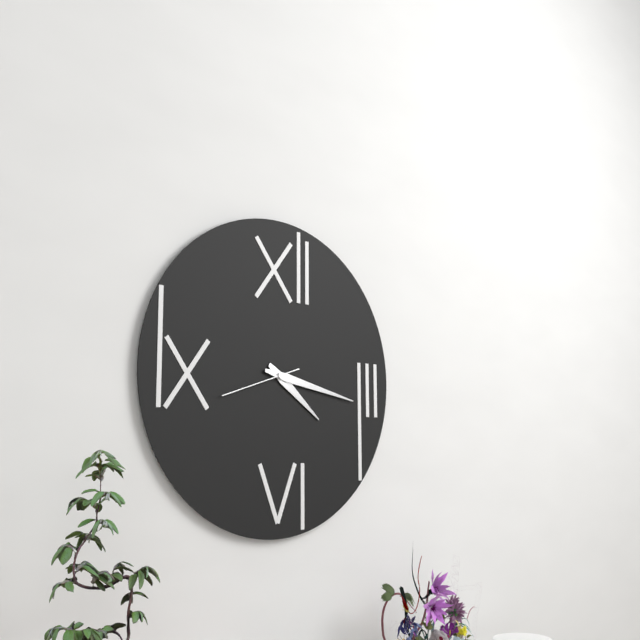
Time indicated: 4:17:42
